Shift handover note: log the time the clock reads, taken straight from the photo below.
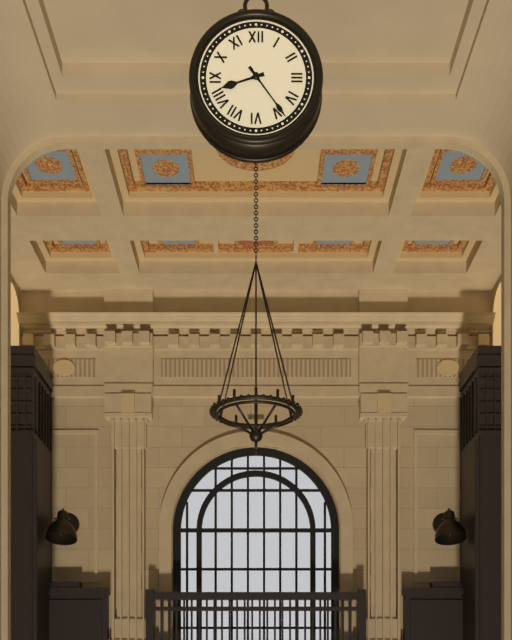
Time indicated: 8:24
